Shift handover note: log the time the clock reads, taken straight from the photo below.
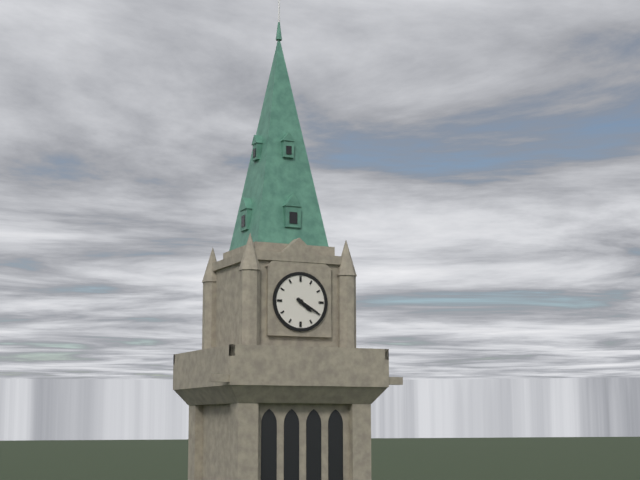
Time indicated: 4:20
